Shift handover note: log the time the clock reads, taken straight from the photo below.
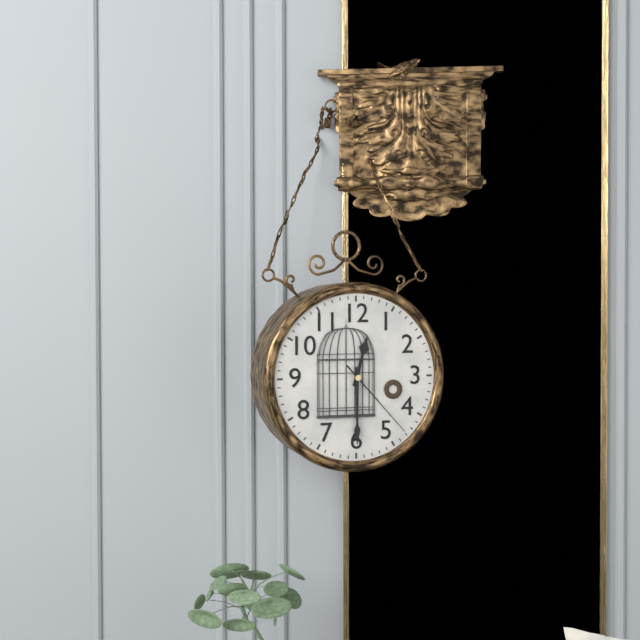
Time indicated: 12:30:23
